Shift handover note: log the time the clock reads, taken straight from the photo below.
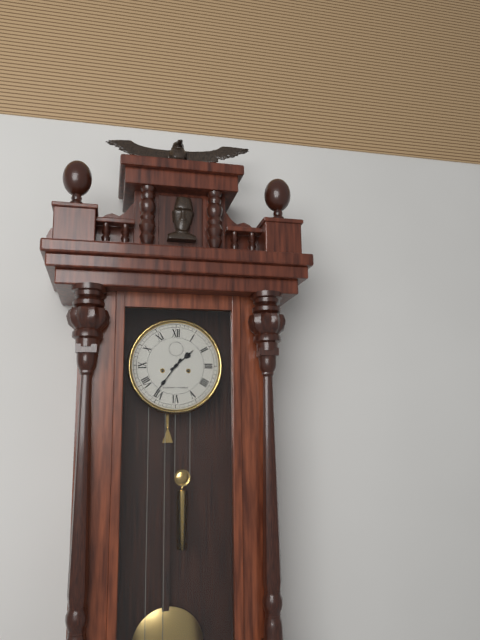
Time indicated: 1:36
